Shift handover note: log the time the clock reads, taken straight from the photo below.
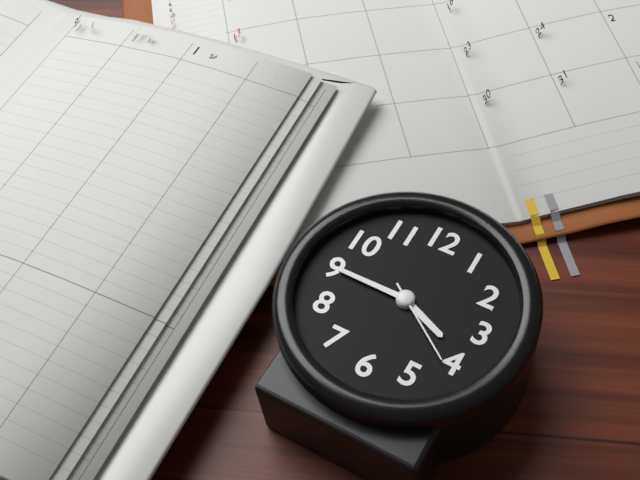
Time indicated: 3:45:21
